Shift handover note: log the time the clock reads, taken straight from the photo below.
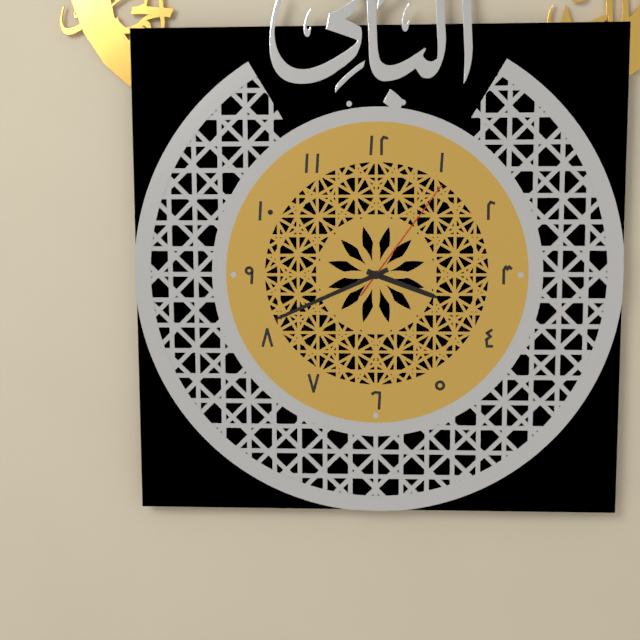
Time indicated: 3:41:06
